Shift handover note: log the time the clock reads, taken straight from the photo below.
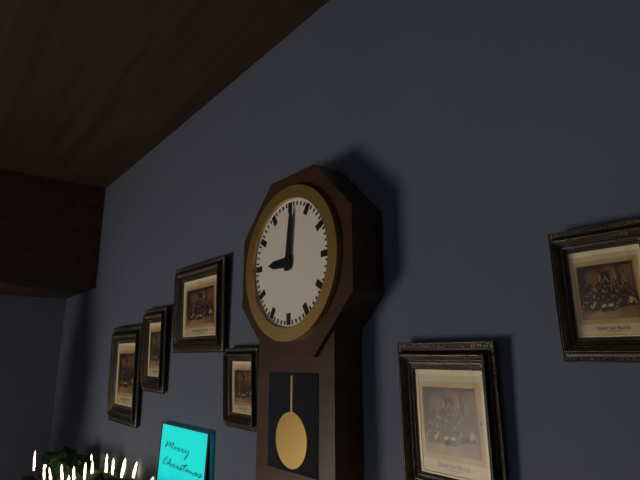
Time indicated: 9:01
